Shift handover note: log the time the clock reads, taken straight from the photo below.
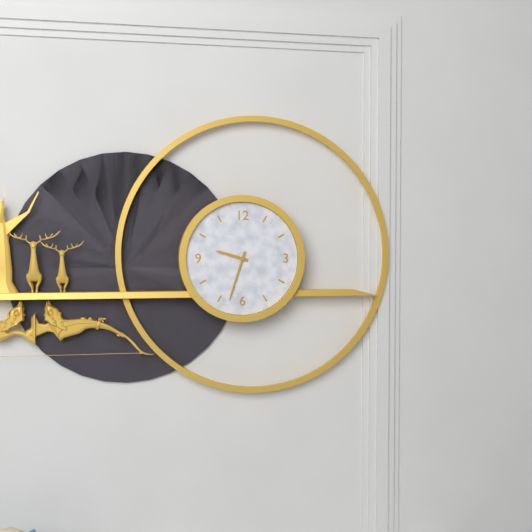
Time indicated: 9:33
